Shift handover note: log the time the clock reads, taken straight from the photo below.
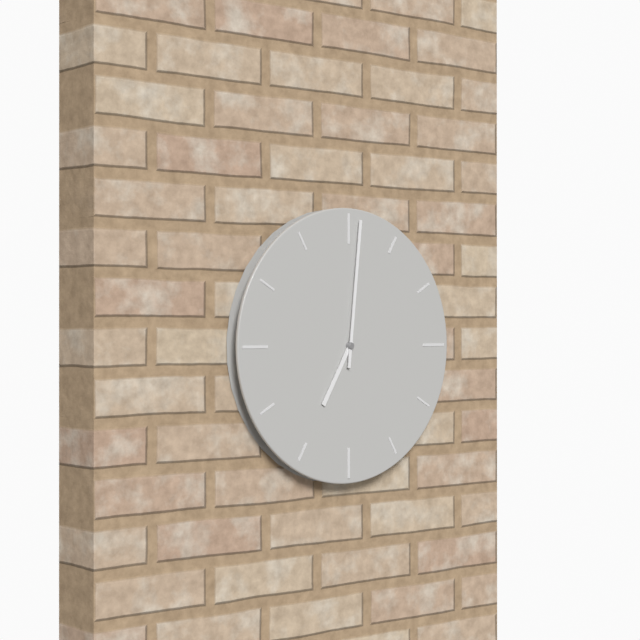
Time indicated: 7:01
